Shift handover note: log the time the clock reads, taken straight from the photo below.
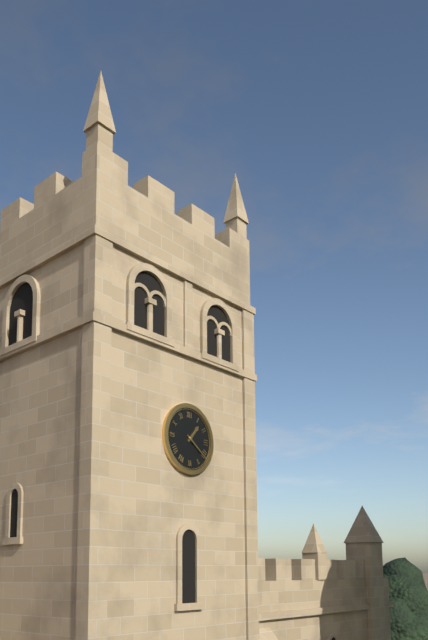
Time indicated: 1:21
